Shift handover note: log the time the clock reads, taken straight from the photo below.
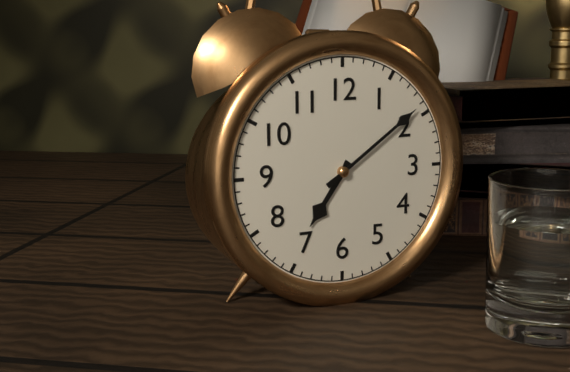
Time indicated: 7:09
